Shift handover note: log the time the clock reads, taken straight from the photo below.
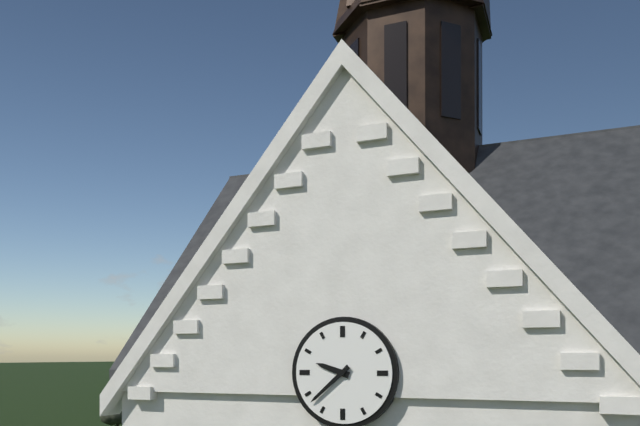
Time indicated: 9:38
